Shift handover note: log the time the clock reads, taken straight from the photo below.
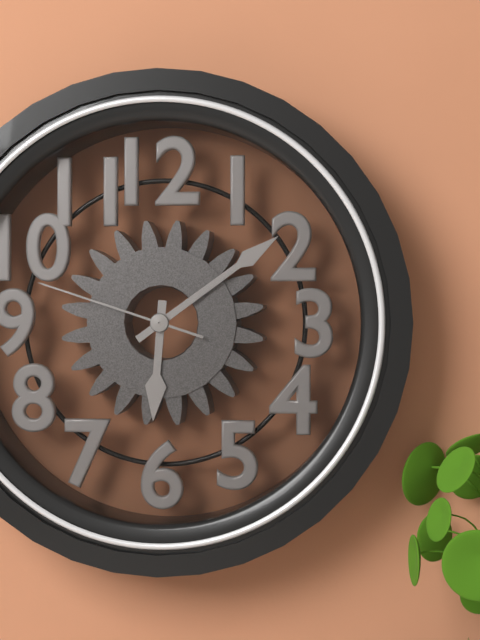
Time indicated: 6:09:48
